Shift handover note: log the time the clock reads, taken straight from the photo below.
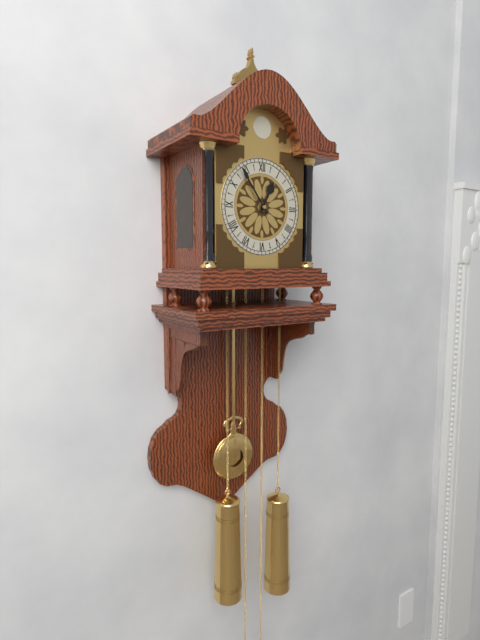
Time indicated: 12:54
